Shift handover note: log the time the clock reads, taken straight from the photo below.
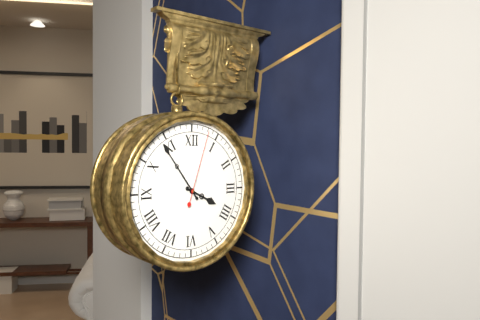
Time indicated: 3:54:03
